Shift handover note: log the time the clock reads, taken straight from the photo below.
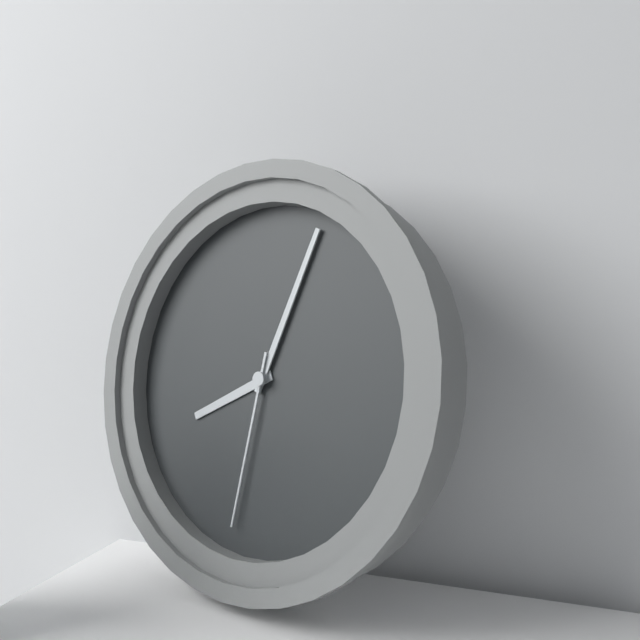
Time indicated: 8:03:31
